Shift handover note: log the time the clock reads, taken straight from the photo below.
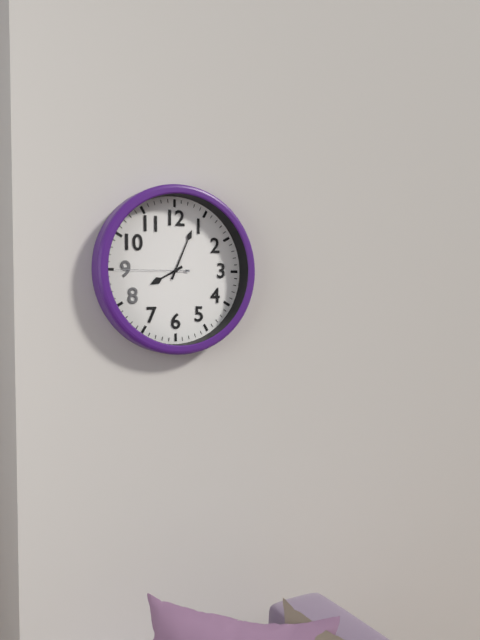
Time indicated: 8:04:45
